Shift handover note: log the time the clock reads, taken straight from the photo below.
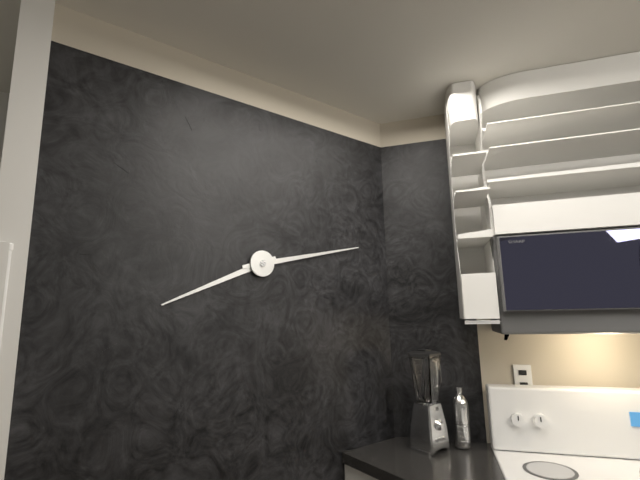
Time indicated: 8:13
